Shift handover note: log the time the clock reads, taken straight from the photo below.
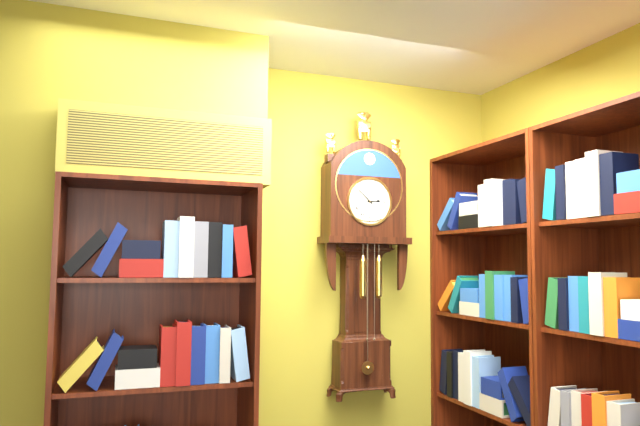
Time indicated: 2:52
